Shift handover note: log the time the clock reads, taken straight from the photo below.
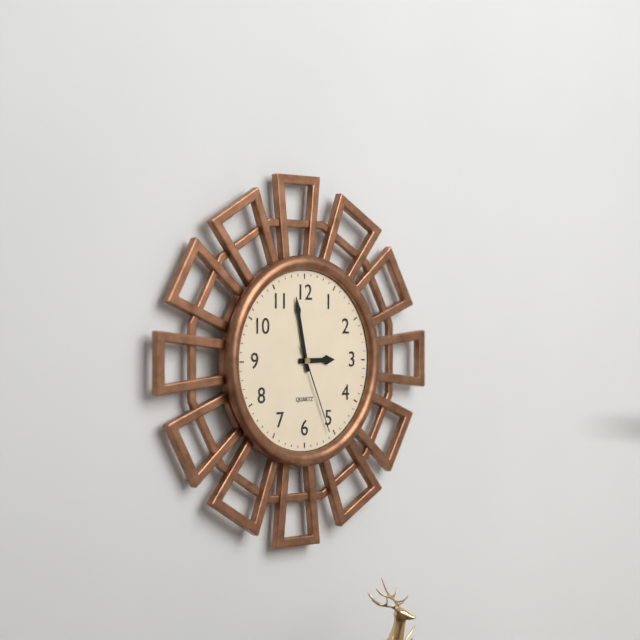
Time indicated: 2:58:26
